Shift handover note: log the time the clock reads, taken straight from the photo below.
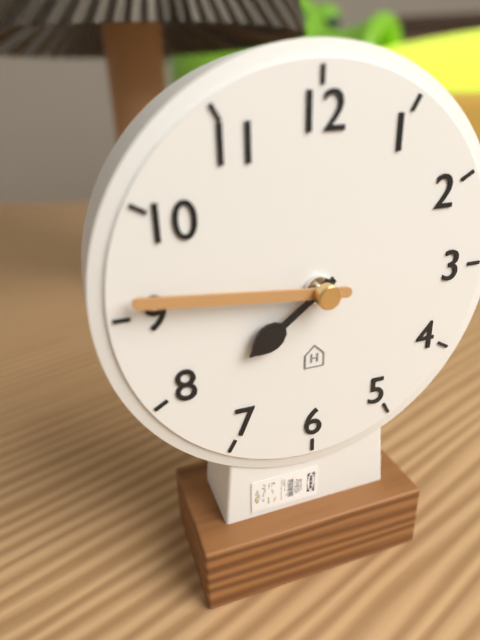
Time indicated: 7:46
